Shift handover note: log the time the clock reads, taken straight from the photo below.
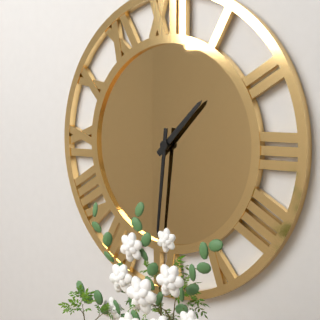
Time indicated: 1:31
